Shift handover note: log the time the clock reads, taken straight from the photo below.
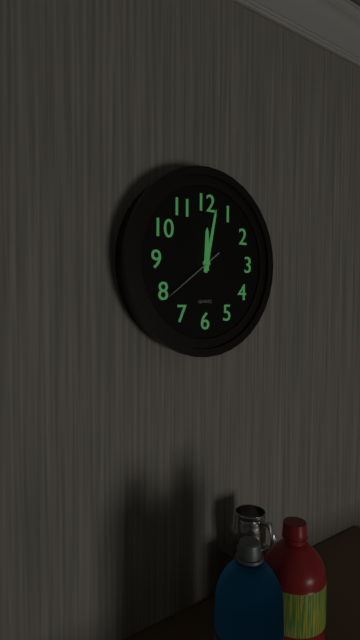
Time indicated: 12:02:39
